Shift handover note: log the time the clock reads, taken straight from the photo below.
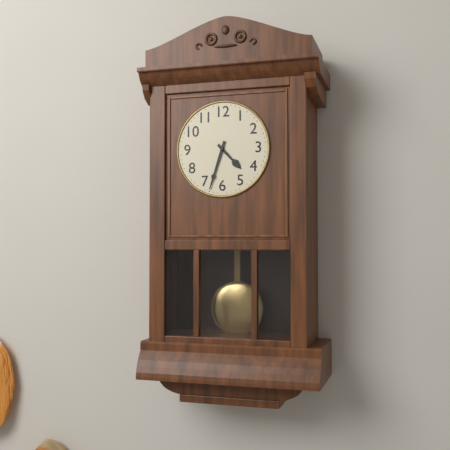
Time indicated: 4:33
